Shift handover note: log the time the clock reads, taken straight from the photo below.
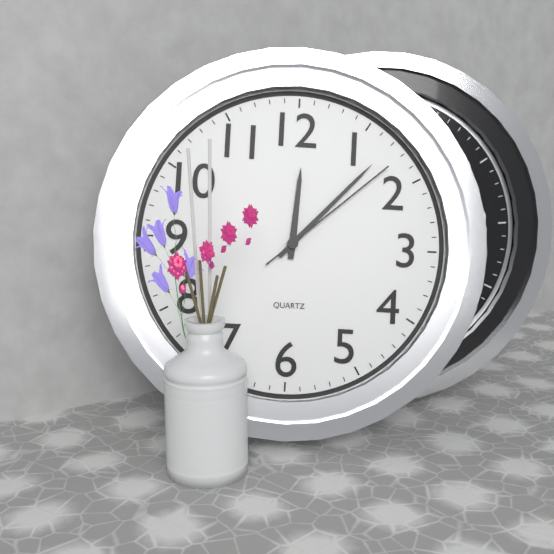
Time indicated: 12:07:08
